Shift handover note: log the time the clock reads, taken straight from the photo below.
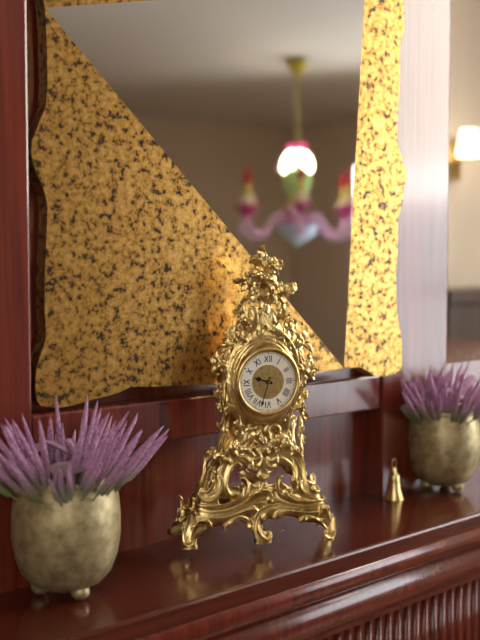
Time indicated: 9:33
